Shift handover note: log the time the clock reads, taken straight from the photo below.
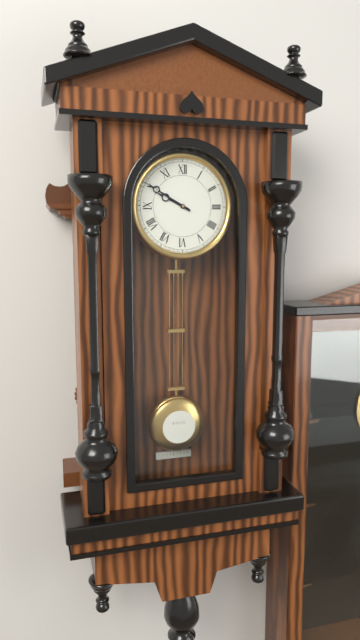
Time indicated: 9:50
